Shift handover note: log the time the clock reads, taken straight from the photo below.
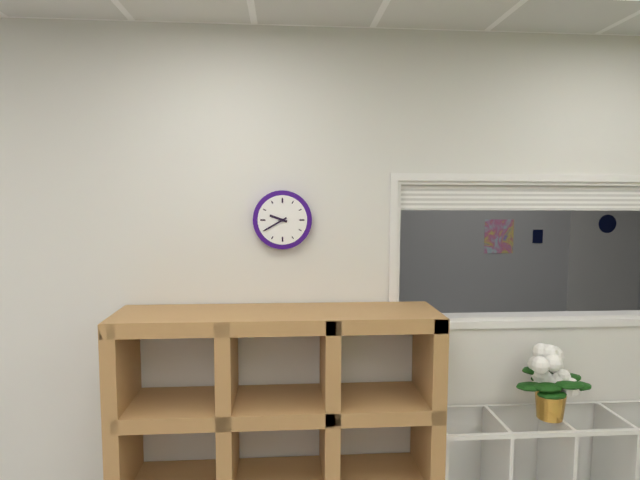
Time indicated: 9:40
